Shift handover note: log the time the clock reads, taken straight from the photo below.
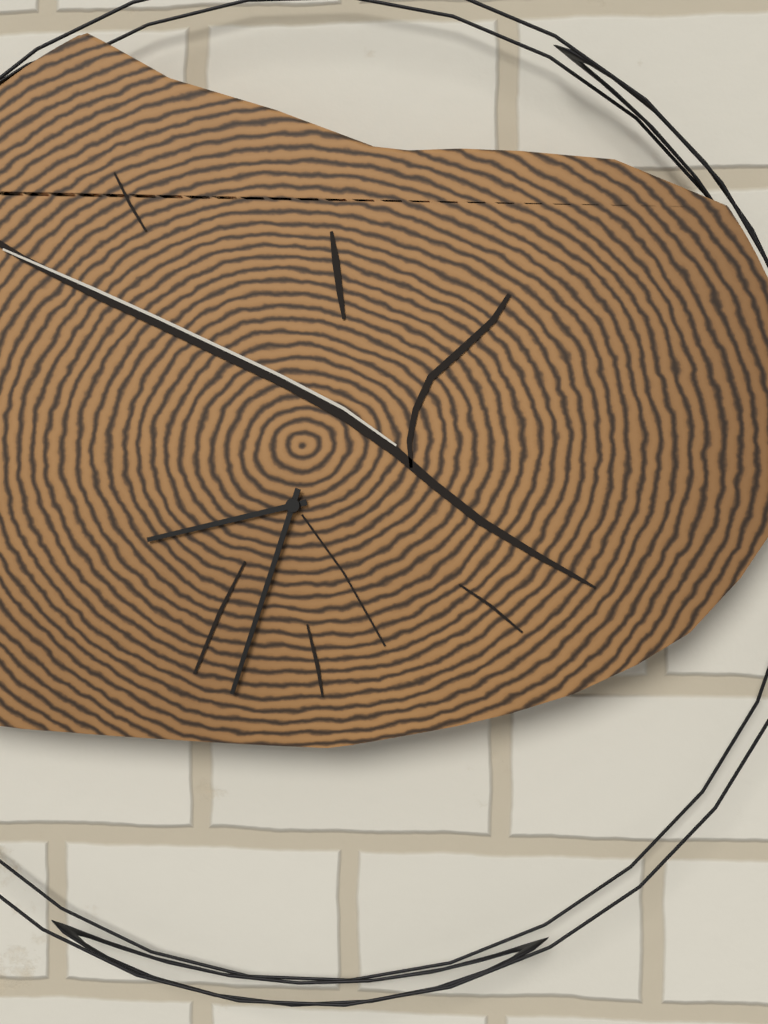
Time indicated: 8:33
